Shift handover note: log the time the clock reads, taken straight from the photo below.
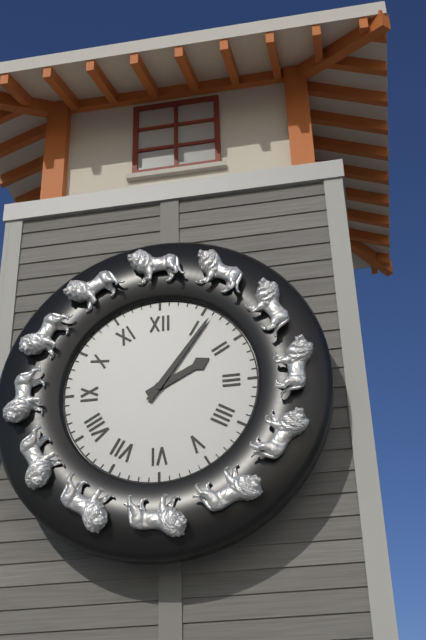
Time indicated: 2:06
